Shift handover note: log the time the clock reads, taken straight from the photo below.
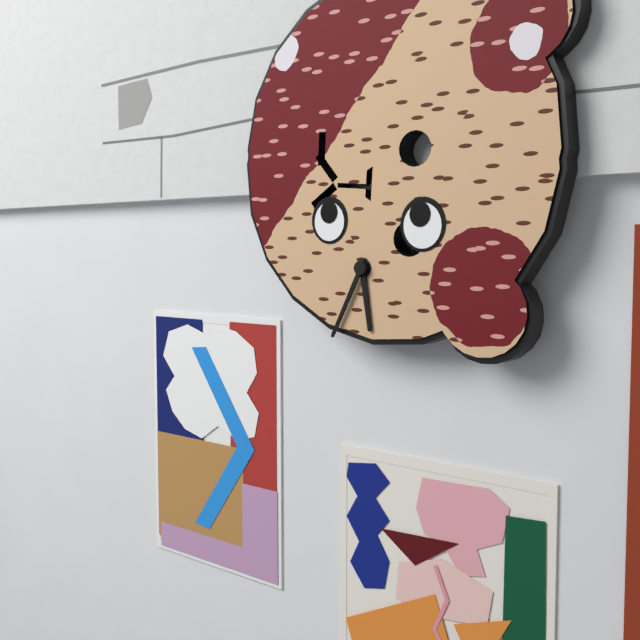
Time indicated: 5:34
